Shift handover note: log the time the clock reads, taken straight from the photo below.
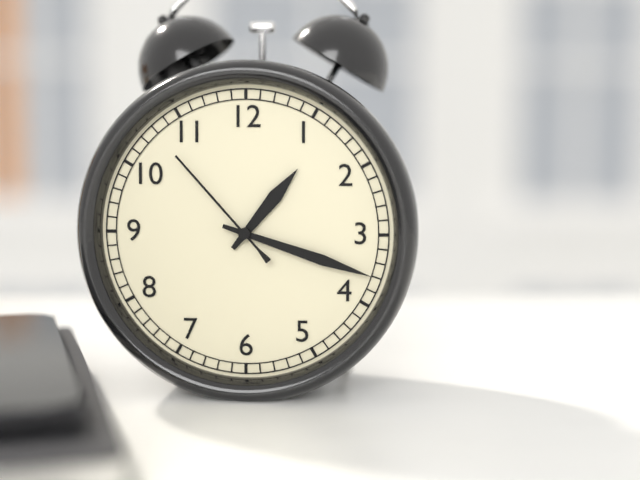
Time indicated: 1:18:53
